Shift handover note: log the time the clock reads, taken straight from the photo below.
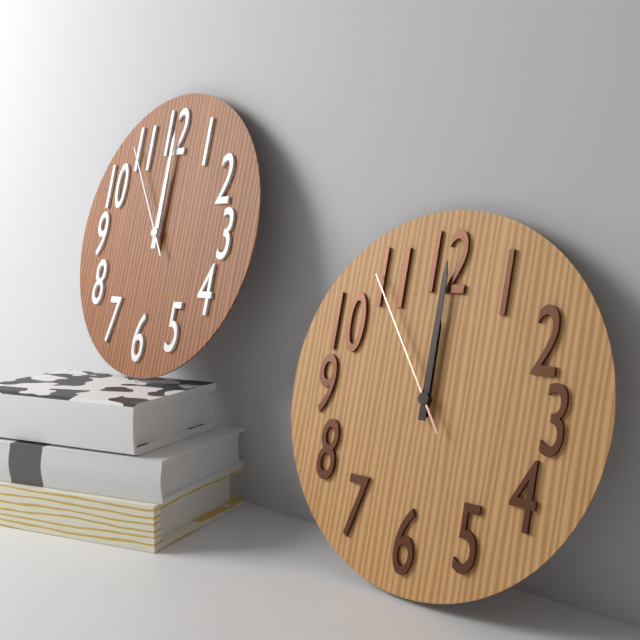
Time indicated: 12:00:54
